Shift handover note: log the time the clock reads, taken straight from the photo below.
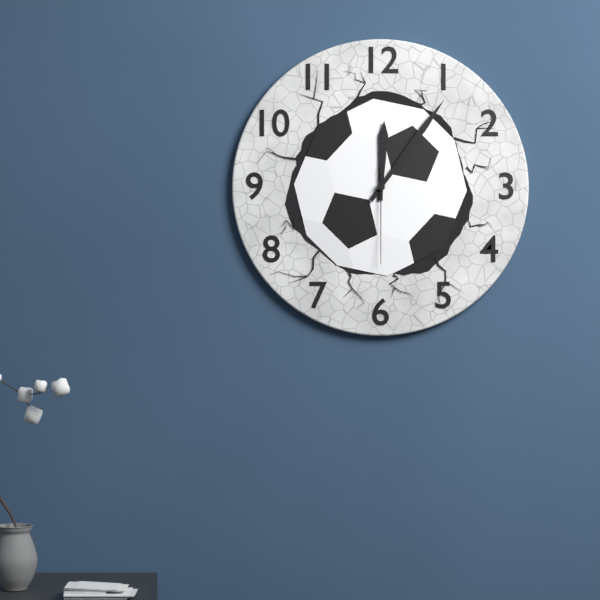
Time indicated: 12:06:30
